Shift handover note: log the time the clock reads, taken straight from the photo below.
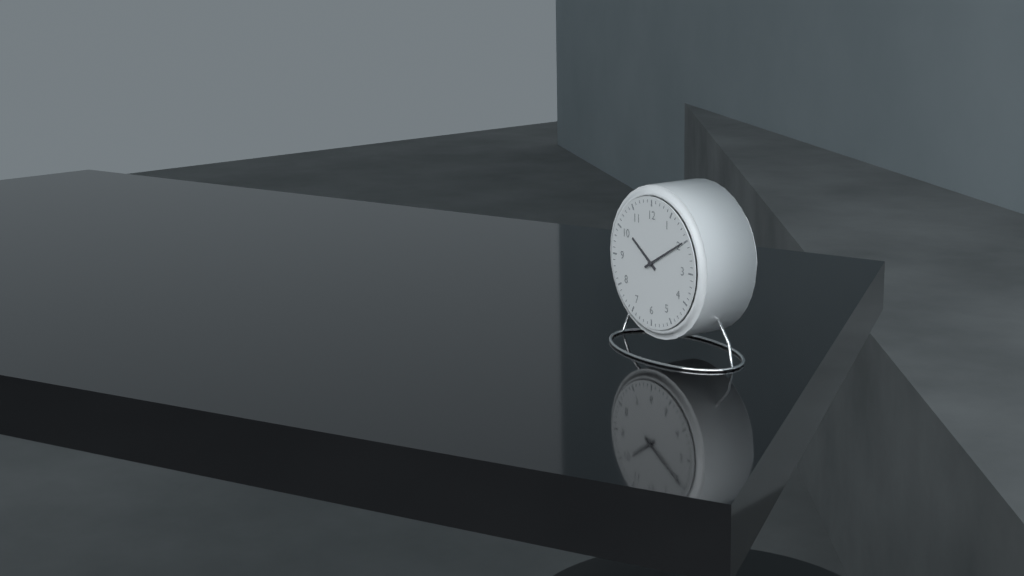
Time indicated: 10:10
